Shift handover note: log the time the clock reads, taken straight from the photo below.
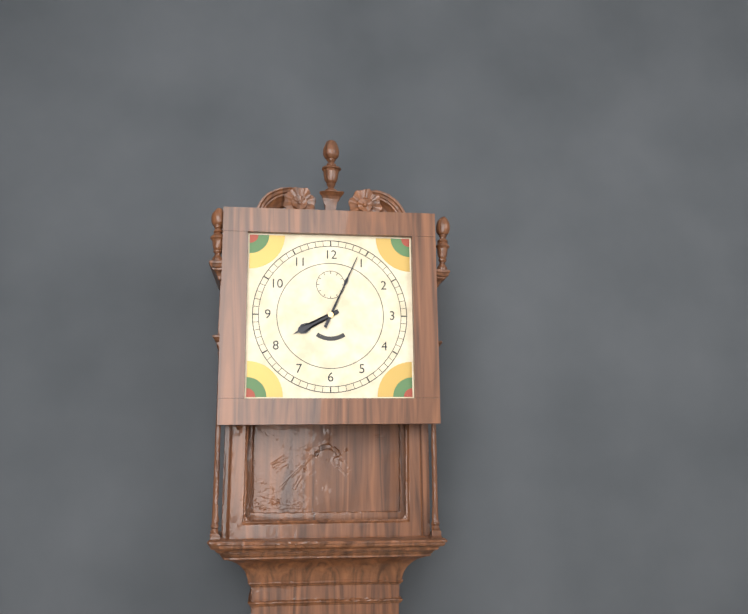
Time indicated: 8:04
